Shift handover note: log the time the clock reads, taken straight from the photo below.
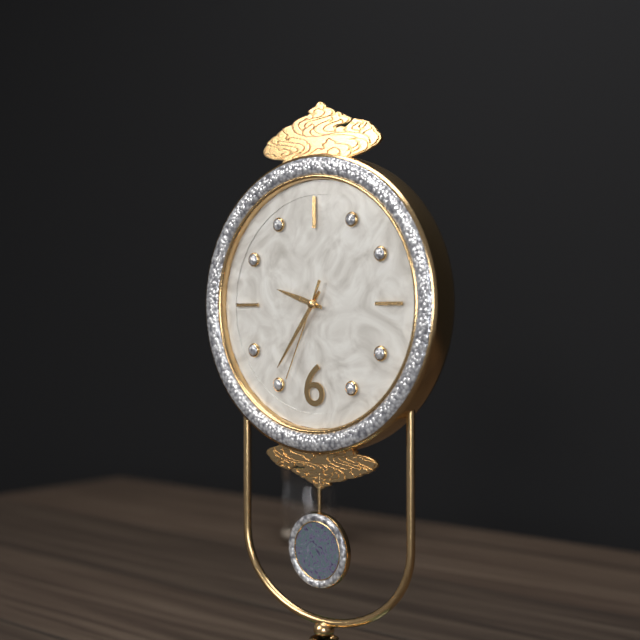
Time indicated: 9:36:34
